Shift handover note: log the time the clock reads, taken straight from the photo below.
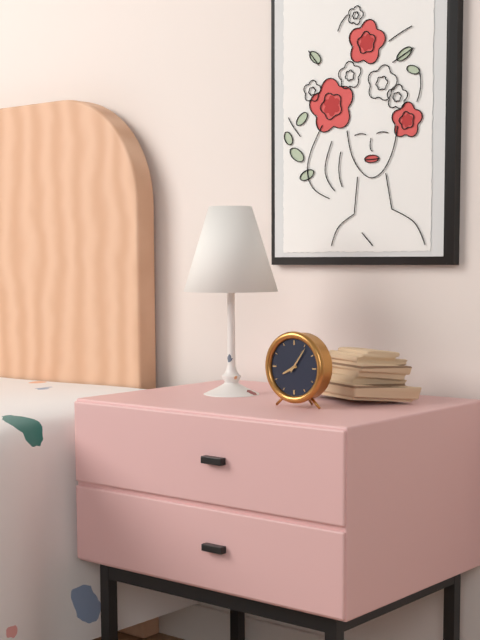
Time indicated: 8:06
